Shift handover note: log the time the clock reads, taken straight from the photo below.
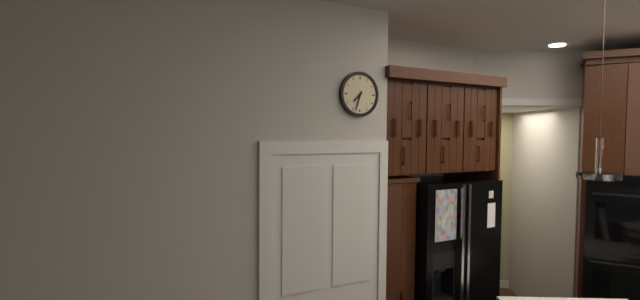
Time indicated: 7:33
